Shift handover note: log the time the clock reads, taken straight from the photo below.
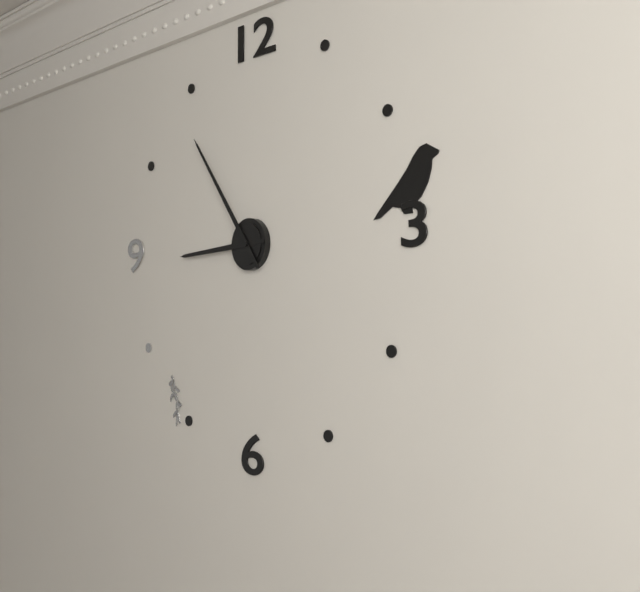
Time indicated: 8:54
